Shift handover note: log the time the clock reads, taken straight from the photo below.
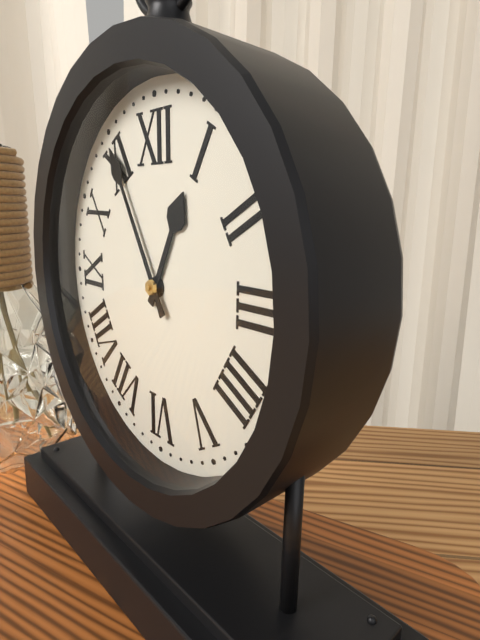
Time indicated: 12:55
